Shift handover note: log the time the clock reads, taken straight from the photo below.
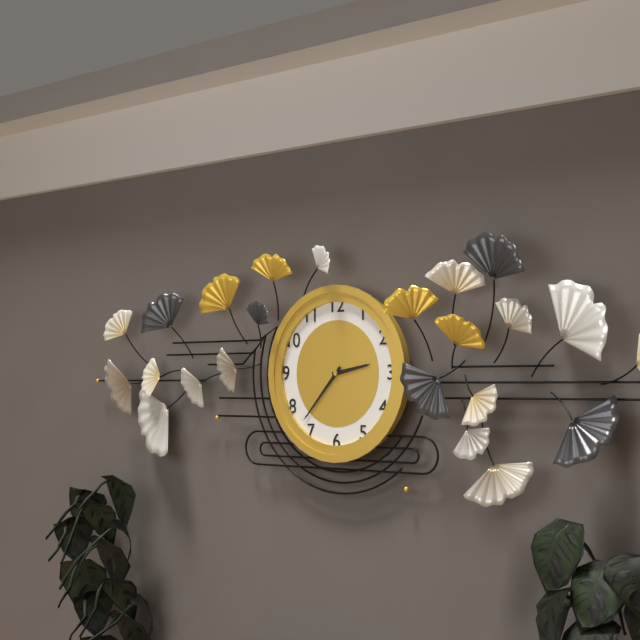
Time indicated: 2:37
